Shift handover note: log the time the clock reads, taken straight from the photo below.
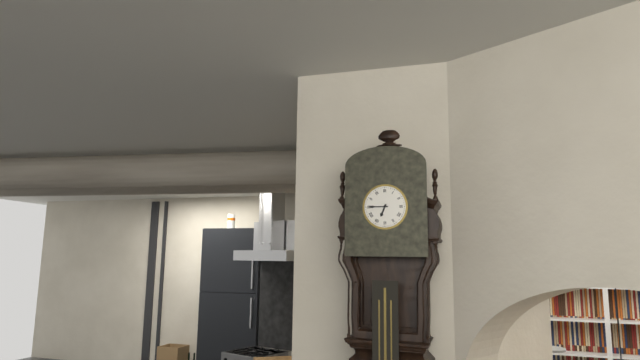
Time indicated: 6:45
